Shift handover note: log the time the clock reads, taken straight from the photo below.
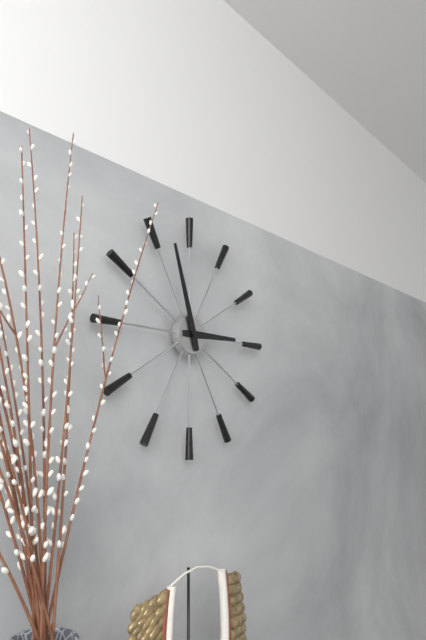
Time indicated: 2:57
